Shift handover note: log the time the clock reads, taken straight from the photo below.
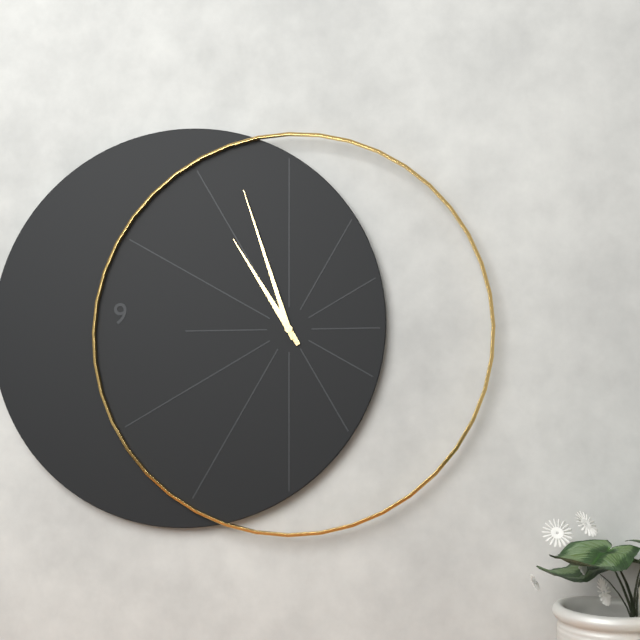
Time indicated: 10:57
